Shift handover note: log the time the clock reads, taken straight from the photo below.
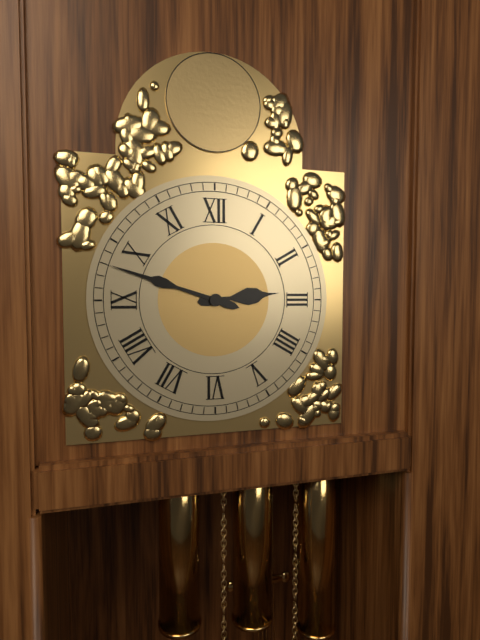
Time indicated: 2:48
